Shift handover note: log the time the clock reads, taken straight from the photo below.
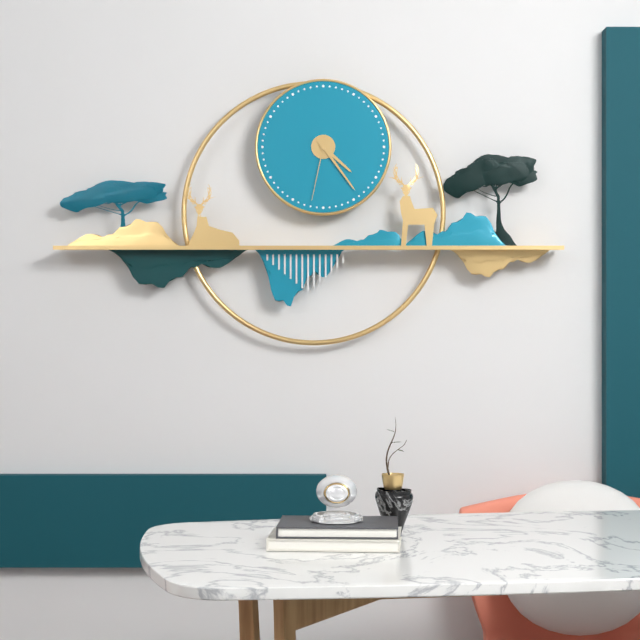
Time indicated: 4:24:32
